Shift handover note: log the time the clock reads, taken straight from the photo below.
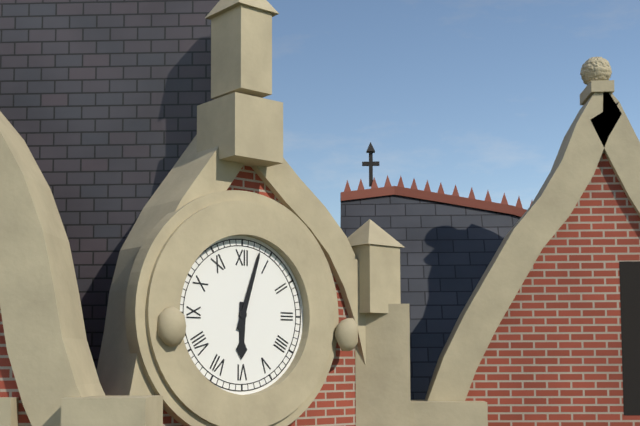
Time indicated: 6:03
